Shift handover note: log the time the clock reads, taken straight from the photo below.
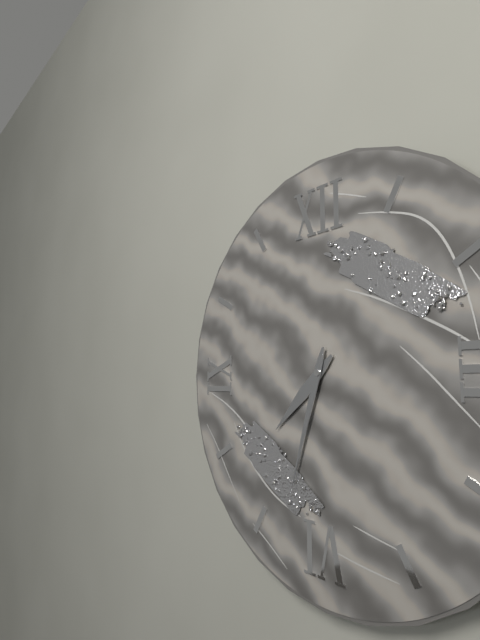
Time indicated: 7:33
